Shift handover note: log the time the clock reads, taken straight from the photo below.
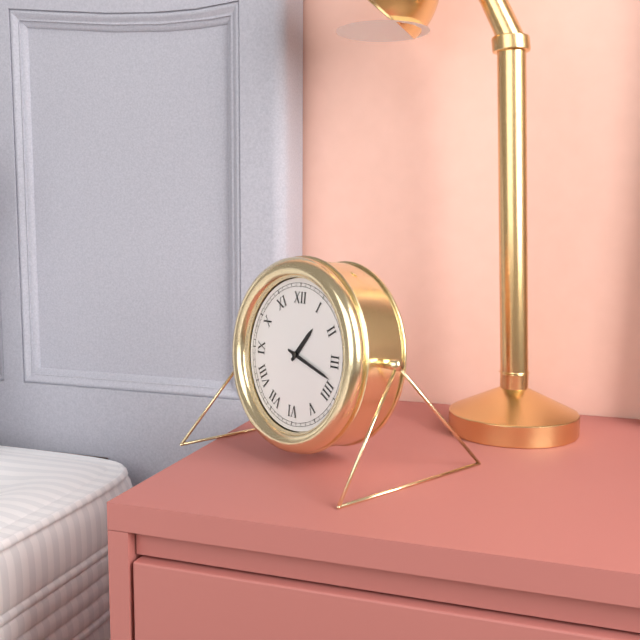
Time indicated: 1:18
